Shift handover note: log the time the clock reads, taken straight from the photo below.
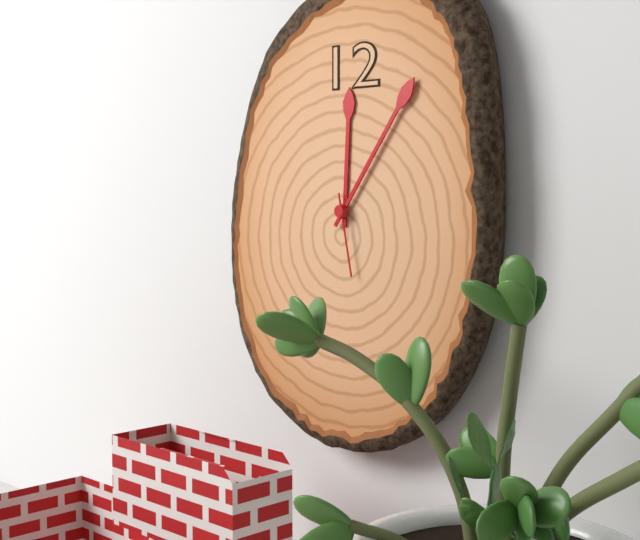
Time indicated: 12:06:28
